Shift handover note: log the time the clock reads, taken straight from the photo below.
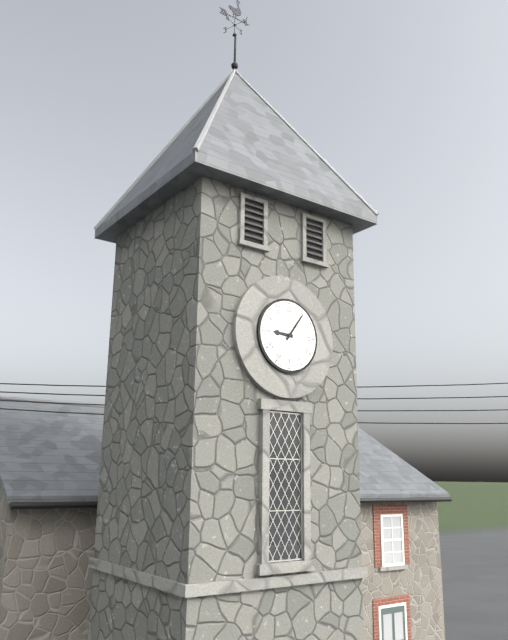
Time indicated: 9:06
